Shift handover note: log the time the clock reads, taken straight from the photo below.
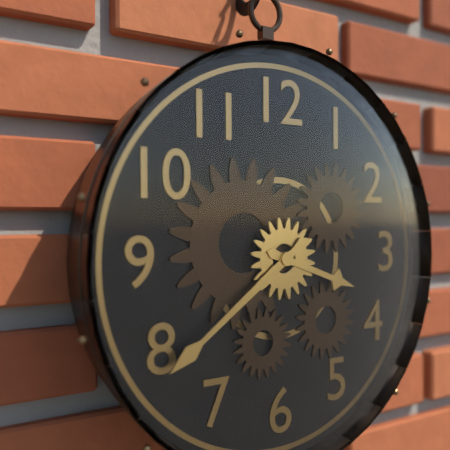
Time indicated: 3:39
